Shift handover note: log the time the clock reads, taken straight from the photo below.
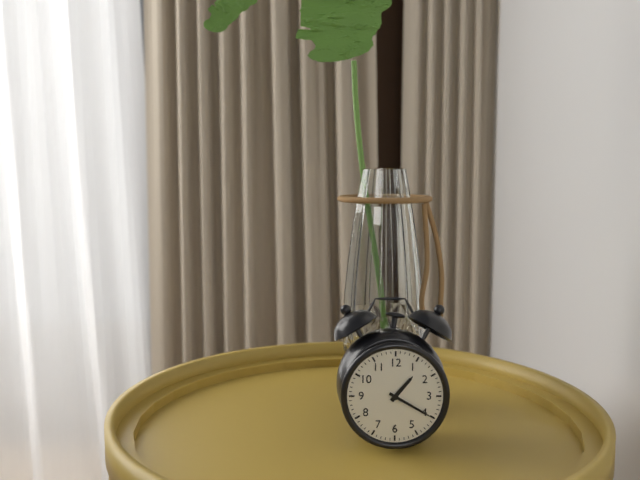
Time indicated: 1:20
